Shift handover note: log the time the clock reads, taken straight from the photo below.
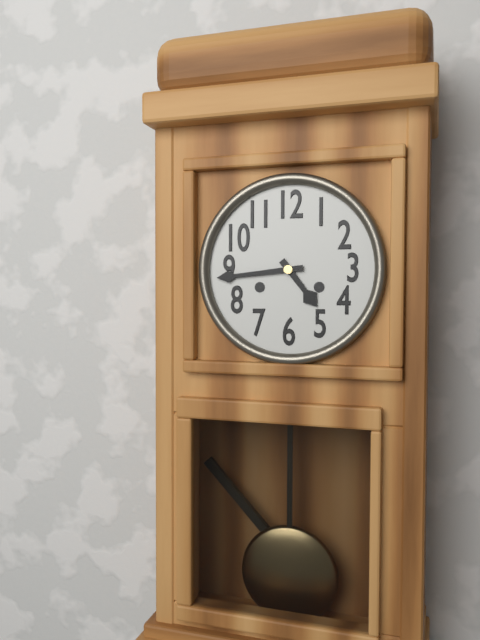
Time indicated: 4:44
